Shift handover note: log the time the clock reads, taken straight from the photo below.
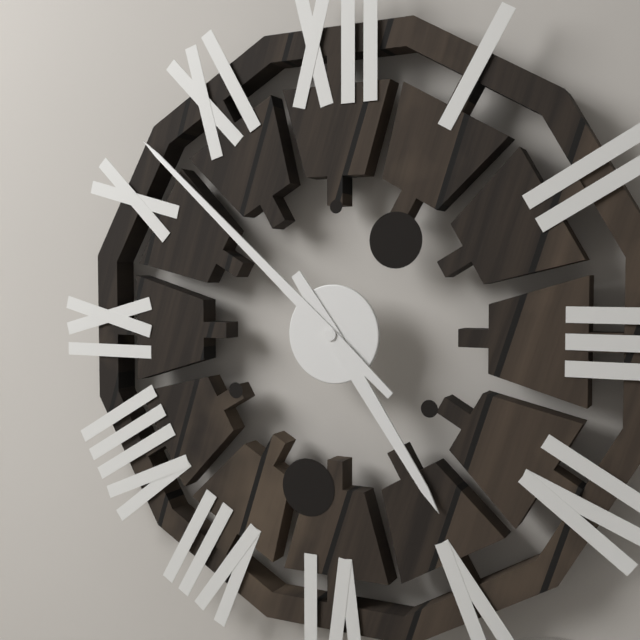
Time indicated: 4:52
